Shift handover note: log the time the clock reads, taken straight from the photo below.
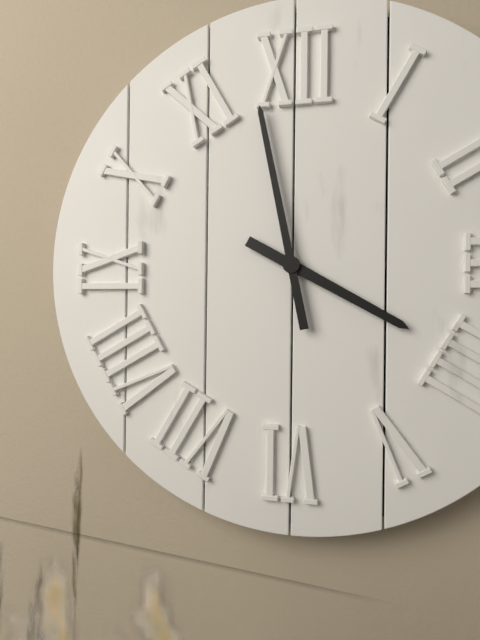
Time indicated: 3:58
